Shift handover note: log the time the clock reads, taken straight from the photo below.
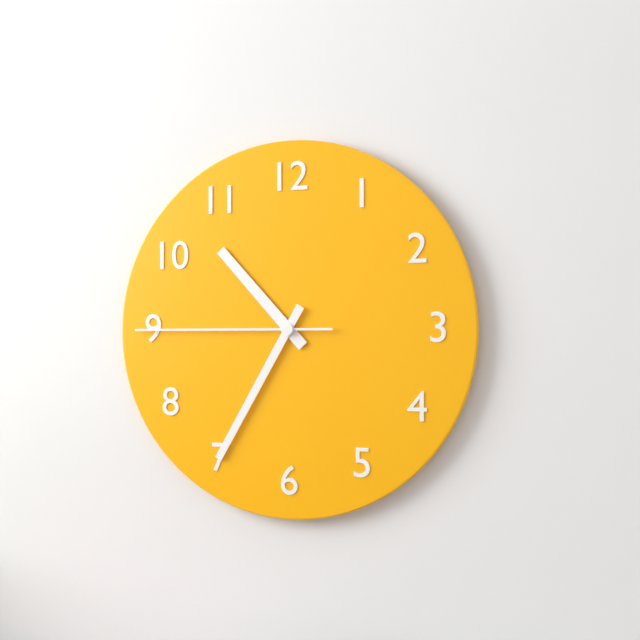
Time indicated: 10:35:45
